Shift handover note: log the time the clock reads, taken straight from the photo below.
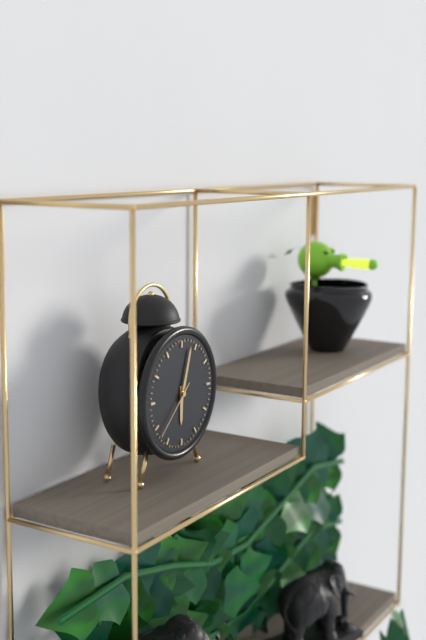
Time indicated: 6:03:38
